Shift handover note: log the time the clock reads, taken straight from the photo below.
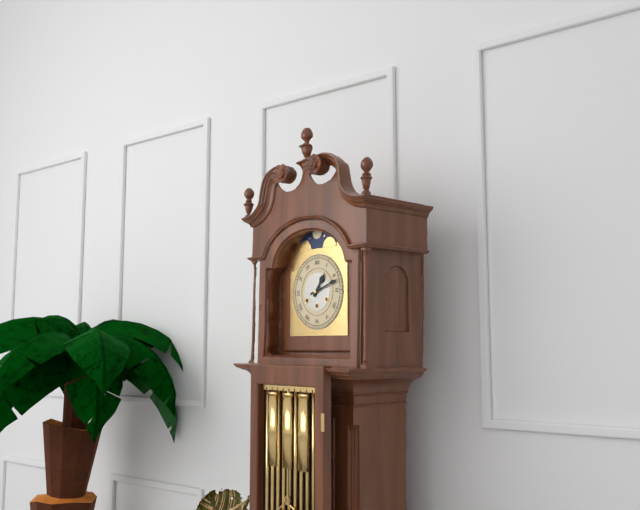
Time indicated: 1:12
